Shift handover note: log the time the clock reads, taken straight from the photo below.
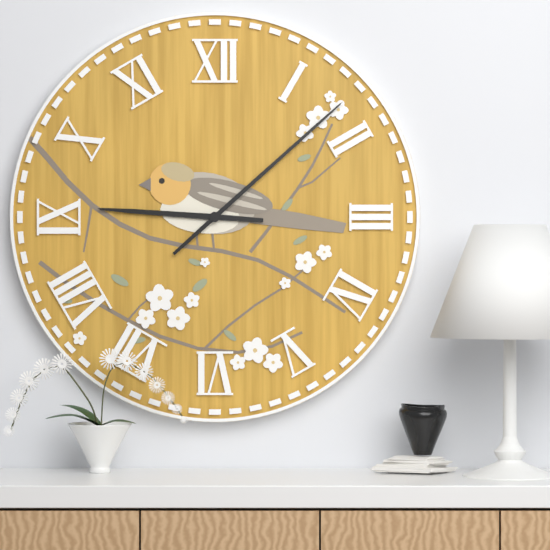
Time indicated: 9:08
